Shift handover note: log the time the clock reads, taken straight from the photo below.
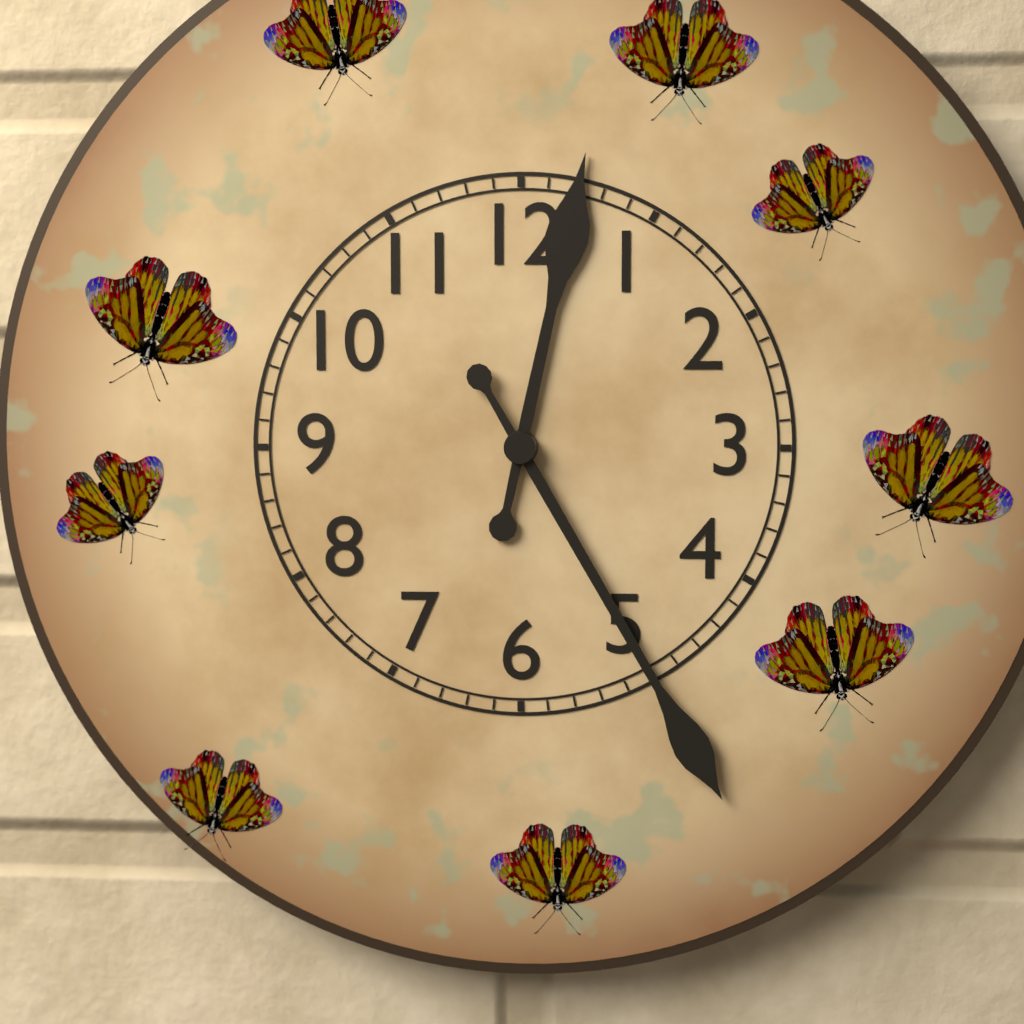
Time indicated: 12:25
